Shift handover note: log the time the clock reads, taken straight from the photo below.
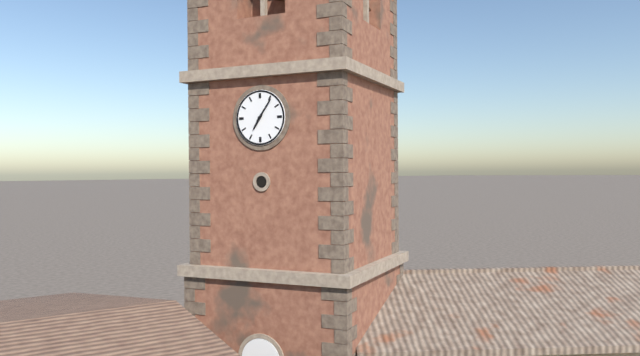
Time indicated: 7:06
